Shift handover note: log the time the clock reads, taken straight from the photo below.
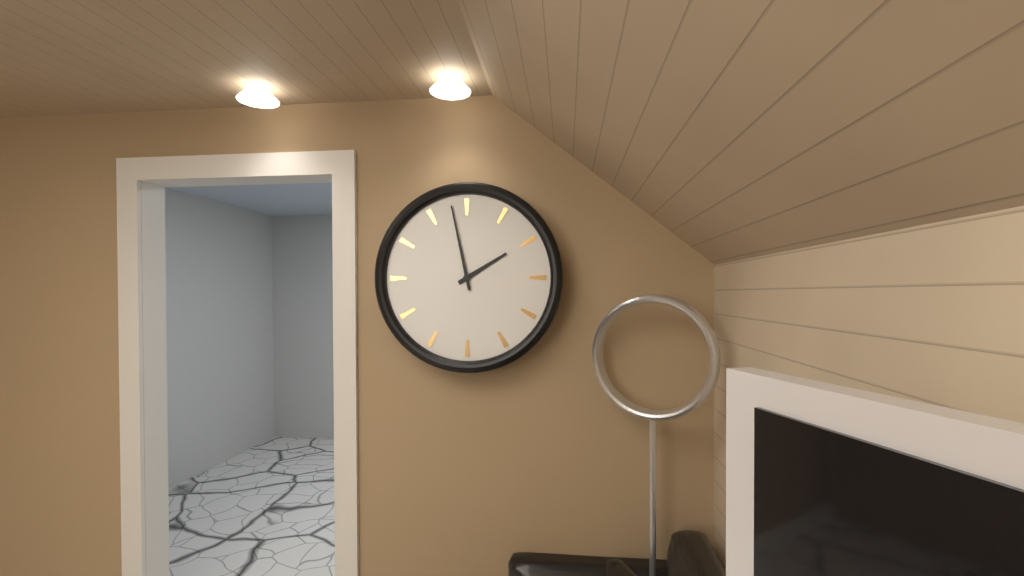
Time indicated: 1:58
